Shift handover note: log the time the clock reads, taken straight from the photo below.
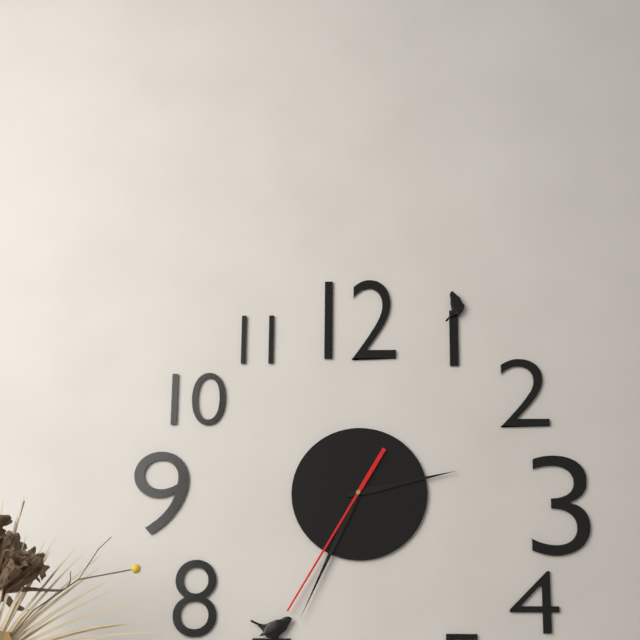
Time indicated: 2:34:35
